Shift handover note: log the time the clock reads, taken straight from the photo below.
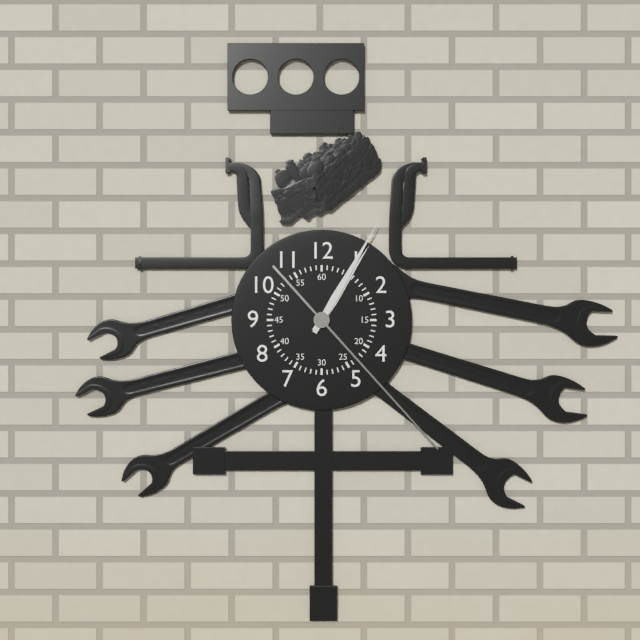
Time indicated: 1:05:23
